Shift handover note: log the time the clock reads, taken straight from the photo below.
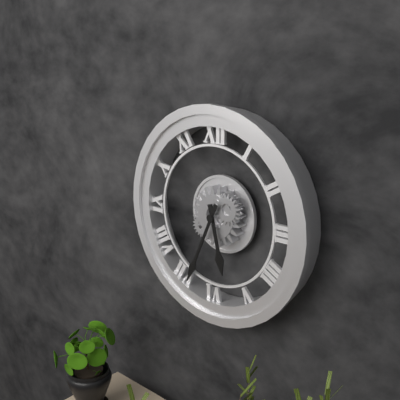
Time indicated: 5:34
